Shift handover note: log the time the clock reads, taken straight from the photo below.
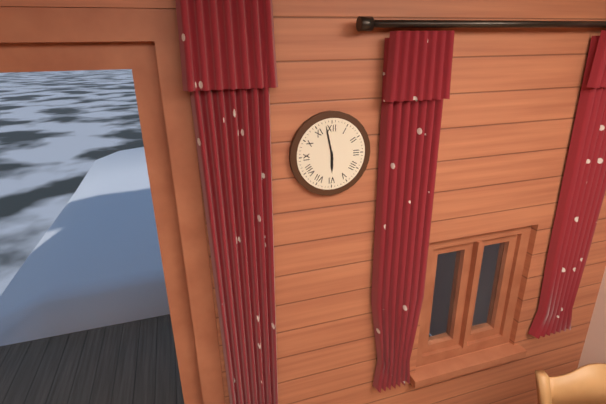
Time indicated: 5:58
